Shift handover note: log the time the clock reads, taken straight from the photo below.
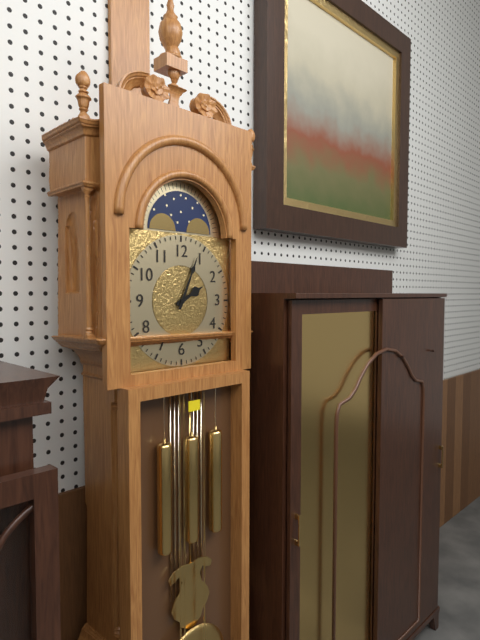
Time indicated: 2:04
